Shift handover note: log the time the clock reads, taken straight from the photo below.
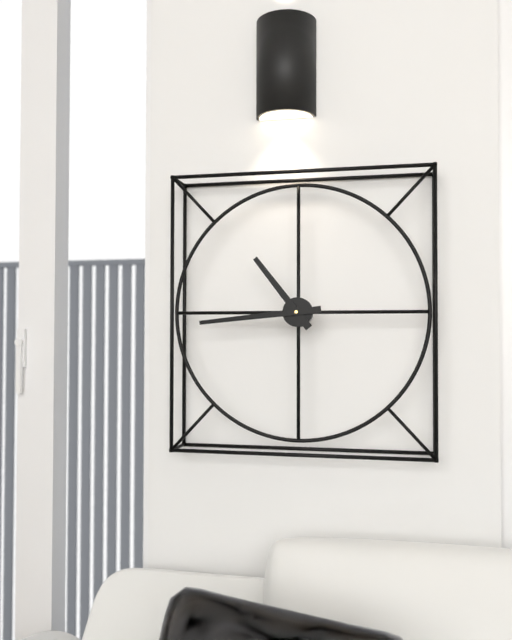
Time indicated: 10:44
